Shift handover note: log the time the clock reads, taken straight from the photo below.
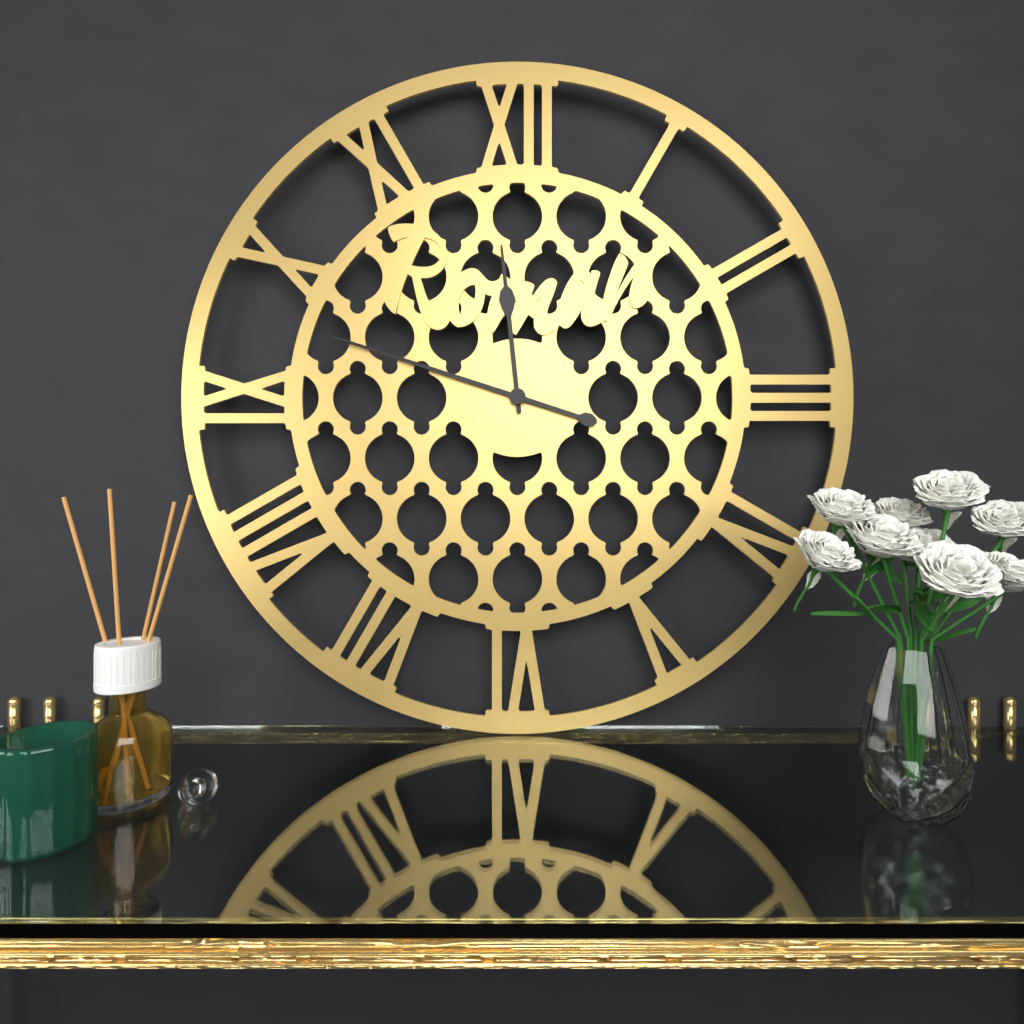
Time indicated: 11:48
